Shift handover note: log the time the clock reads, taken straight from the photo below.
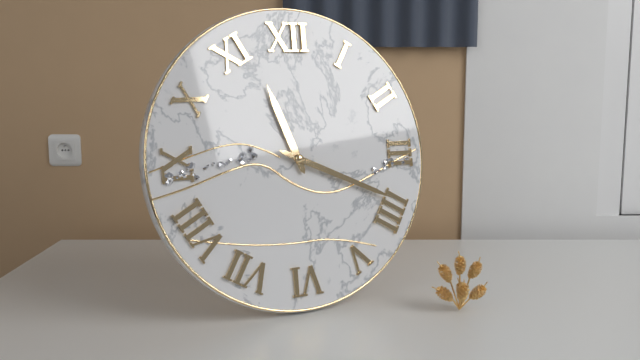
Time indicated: 11:19
